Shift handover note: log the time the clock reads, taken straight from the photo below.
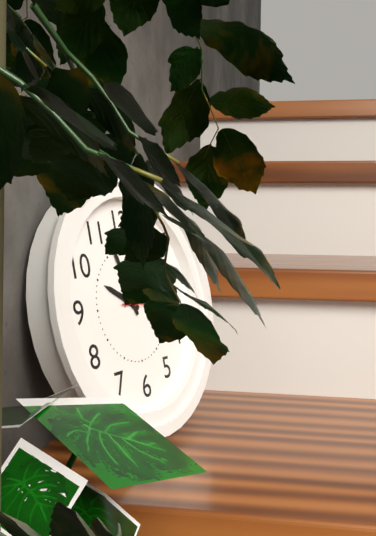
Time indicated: 9:57
